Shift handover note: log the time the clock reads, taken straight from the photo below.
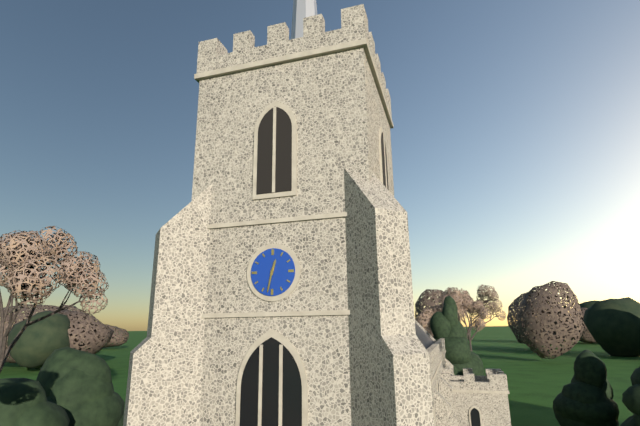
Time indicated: 12:32
